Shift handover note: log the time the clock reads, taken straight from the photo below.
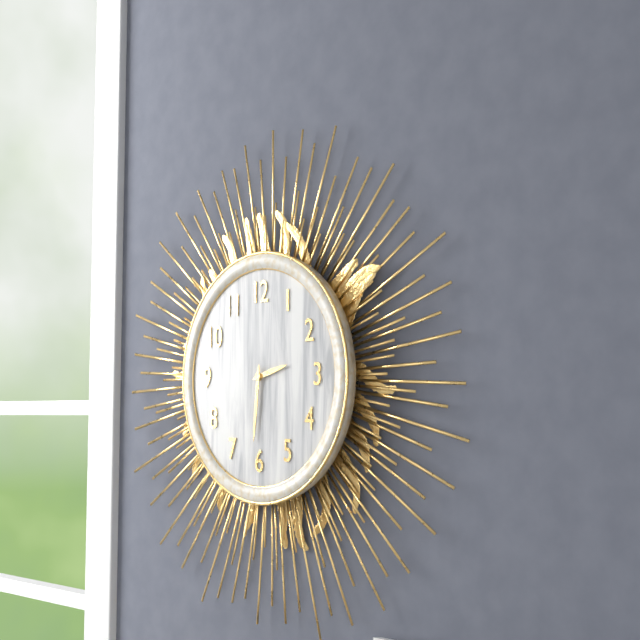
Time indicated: 2:31
